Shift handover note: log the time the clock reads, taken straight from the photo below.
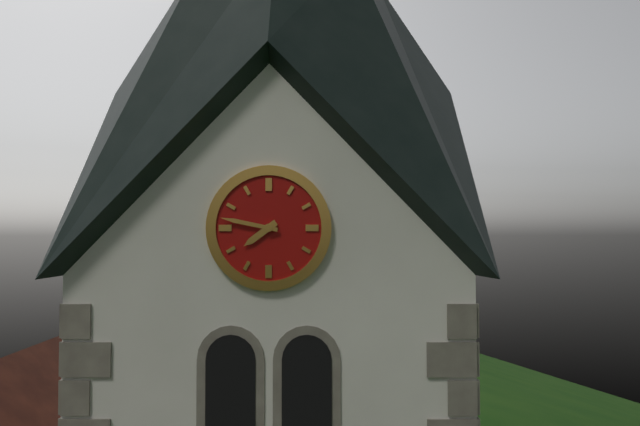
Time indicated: 7:47
